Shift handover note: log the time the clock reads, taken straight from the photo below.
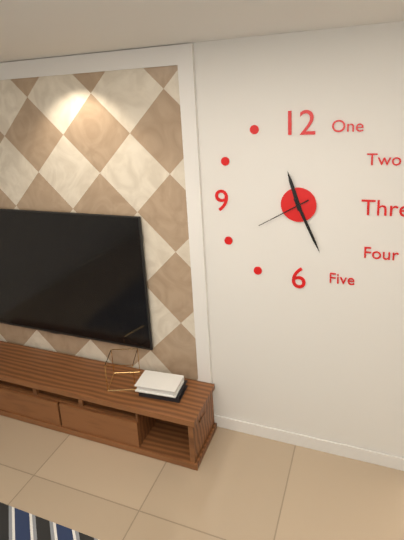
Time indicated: 11:26:40
